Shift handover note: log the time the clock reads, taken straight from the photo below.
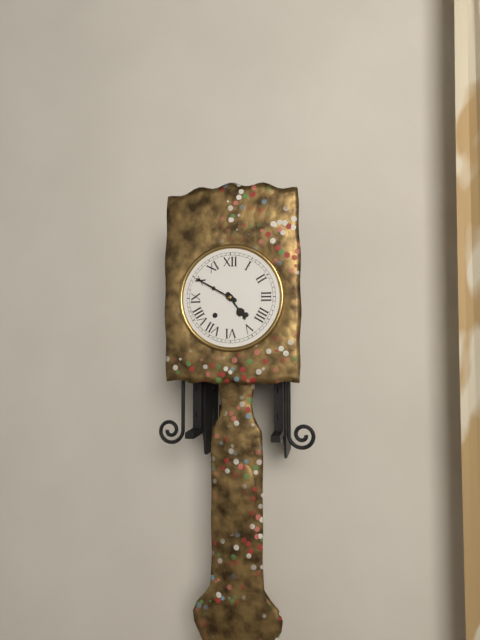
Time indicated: 4:50
